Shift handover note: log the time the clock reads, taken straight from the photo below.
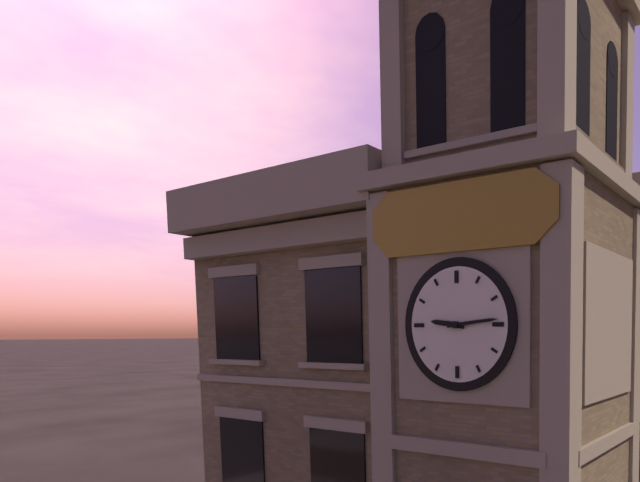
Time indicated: 9:14
